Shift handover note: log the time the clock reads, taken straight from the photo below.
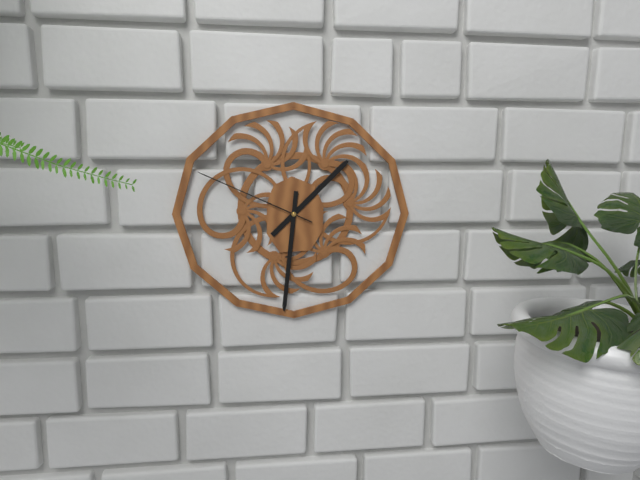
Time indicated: 1:31:49
